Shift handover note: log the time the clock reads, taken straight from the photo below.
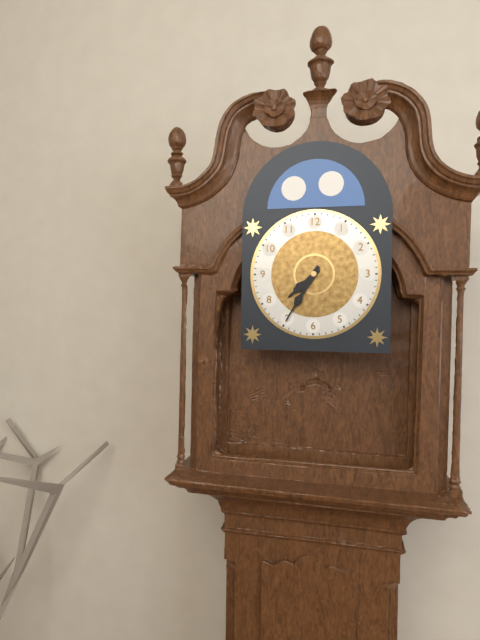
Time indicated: 7:35
